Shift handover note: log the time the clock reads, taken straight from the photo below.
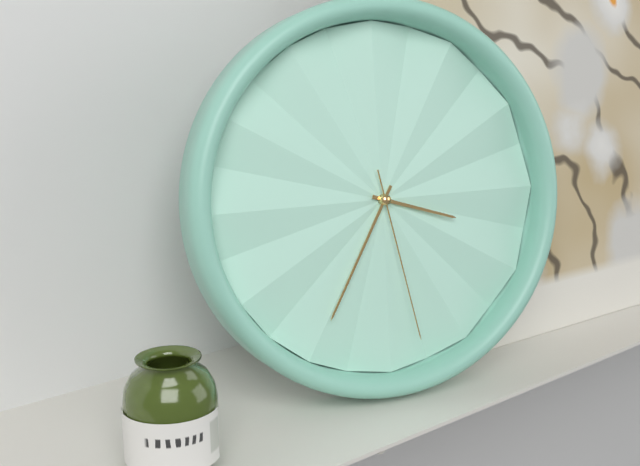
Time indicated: 3:35:28
